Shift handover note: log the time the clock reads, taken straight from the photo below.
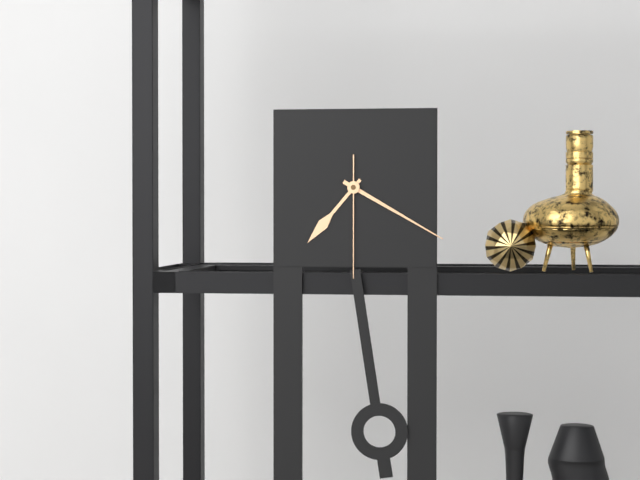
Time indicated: 7:20:30
